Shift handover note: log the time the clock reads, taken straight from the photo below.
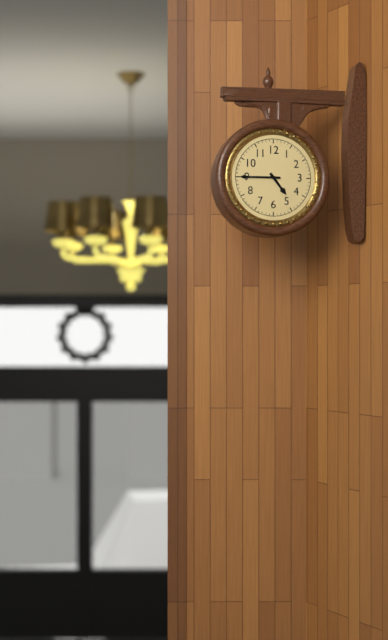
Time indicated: 4:45
